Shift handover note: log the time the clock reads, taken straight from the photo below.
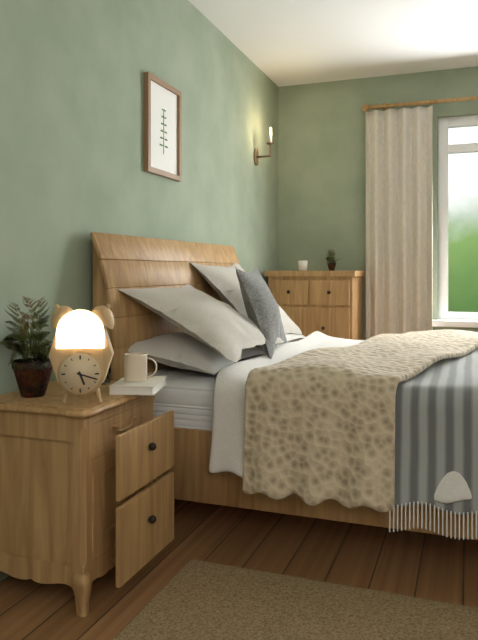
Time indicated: 5:18
